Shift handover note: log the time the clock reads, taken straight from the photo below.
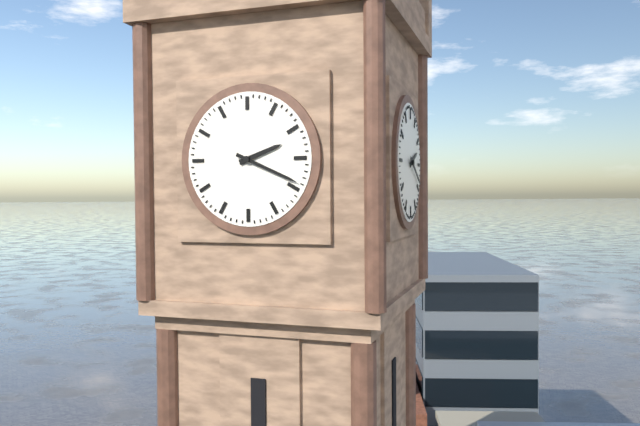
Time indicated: 2:19
